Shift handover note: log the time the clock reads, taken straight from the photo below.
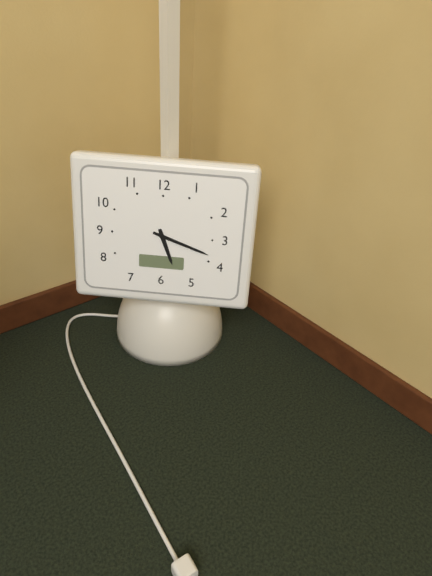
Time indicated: 5:18
